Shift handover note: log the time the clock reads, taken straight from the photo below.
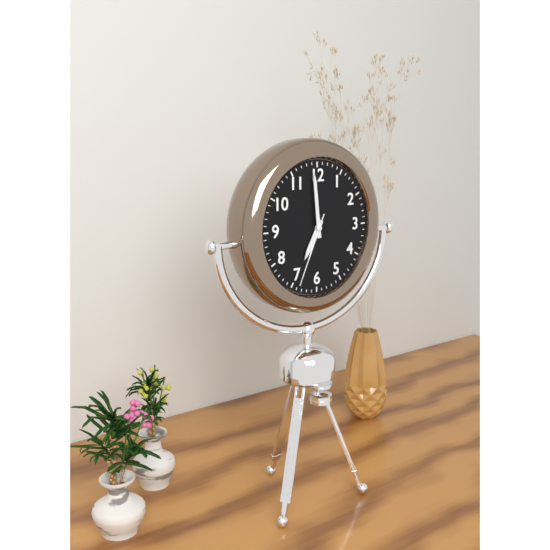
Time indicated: 6:59:34
